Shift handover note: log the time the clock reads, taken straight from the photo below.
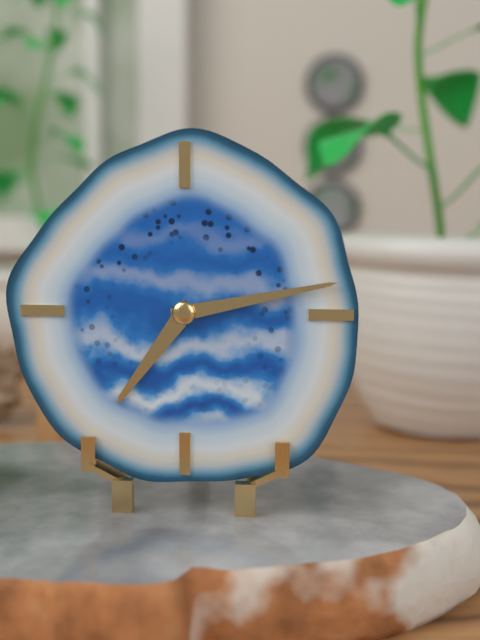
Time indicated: 7:13
